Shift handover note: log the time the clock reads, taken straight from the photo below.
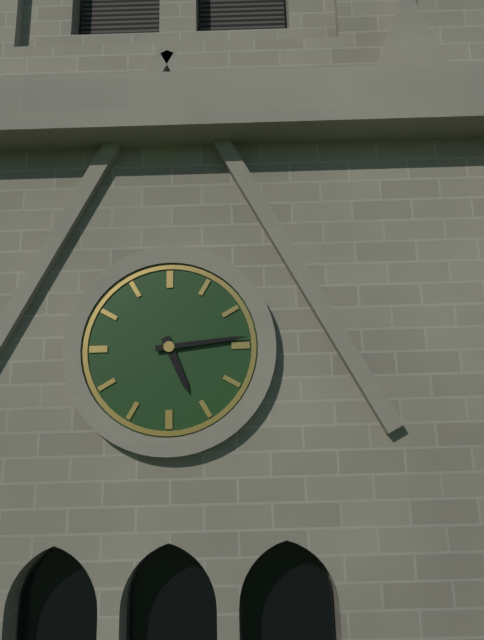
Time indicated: 5:14
